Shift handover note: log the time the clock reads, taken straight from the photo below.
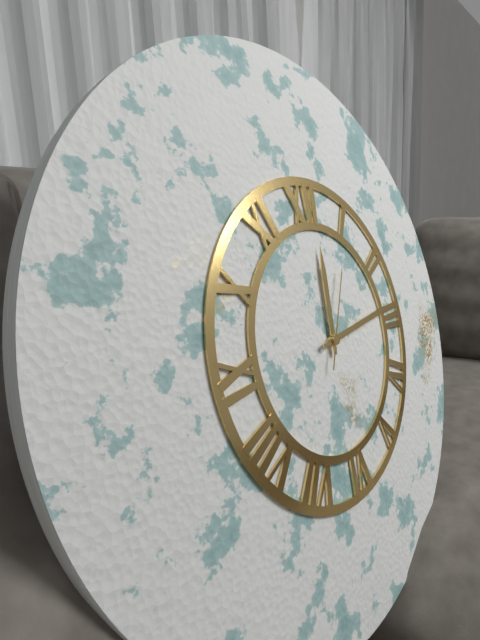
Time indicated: 12:14:05
